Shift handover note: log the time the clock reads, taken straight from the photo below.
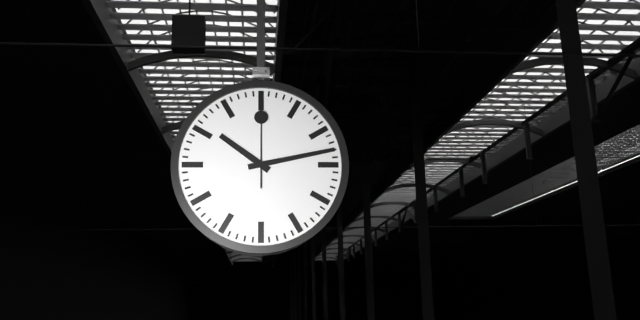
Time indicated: 10:13:00
